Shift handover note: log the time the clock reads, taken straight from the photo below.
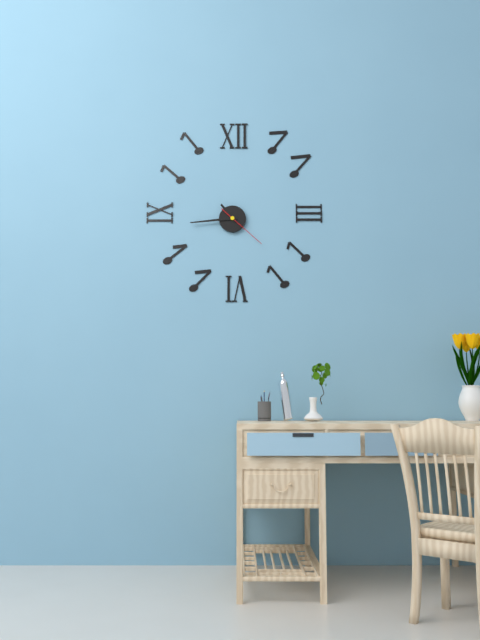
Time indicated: 10:44
